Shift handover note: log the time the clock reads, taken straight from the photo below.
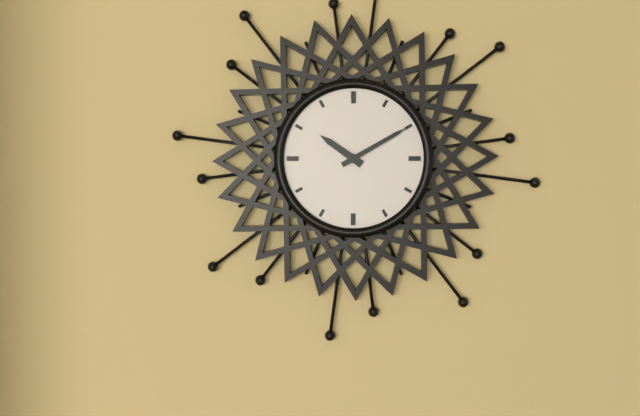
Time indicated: 10:10
